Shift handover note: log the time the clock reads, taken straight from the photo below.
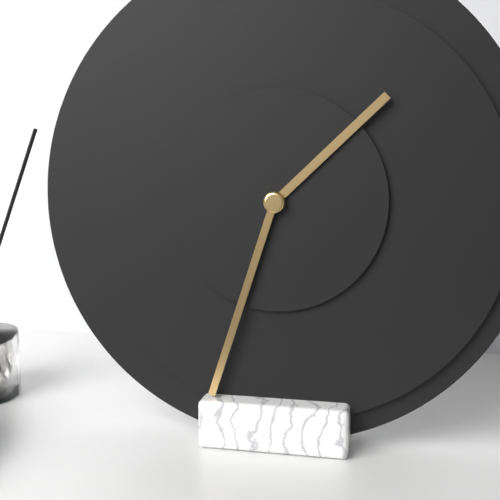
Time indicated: 1:33
